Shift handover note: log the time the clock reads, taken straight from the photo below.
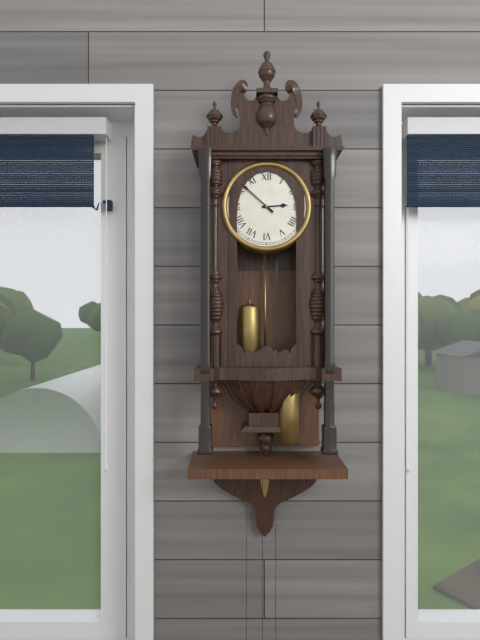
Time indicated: 2:52
